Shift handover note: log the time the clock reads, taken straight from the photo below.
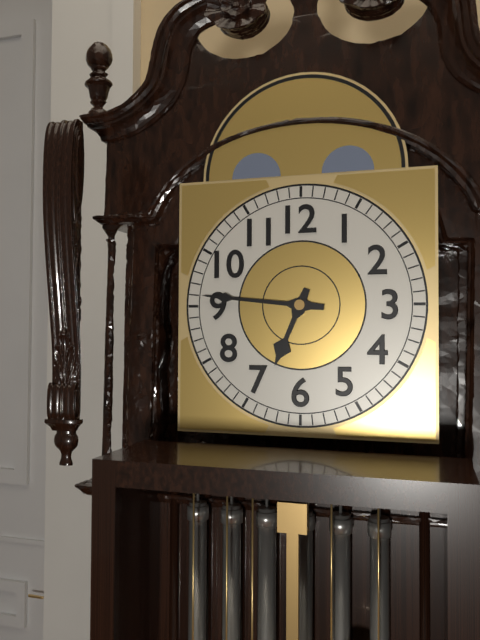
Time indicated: 6:46
